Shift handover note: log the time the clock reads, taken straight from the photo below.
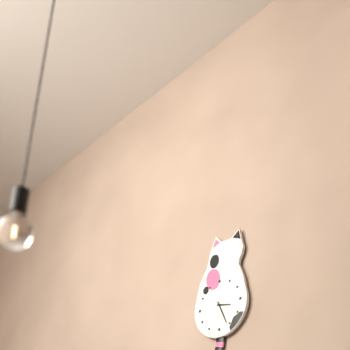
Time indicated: 3:26
